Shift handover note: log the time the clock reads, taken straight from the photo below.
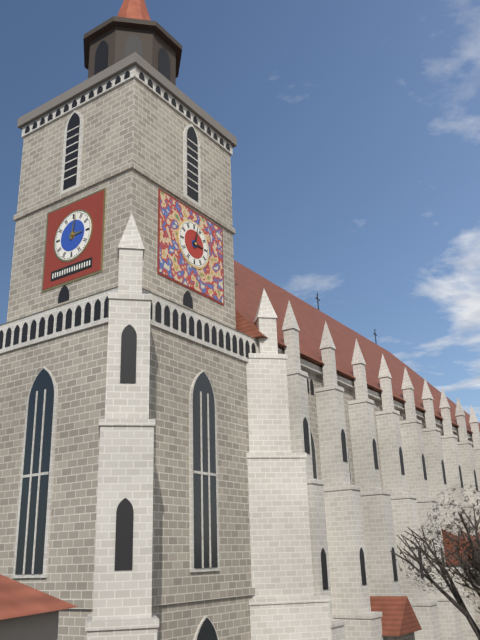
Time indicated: 3:02
